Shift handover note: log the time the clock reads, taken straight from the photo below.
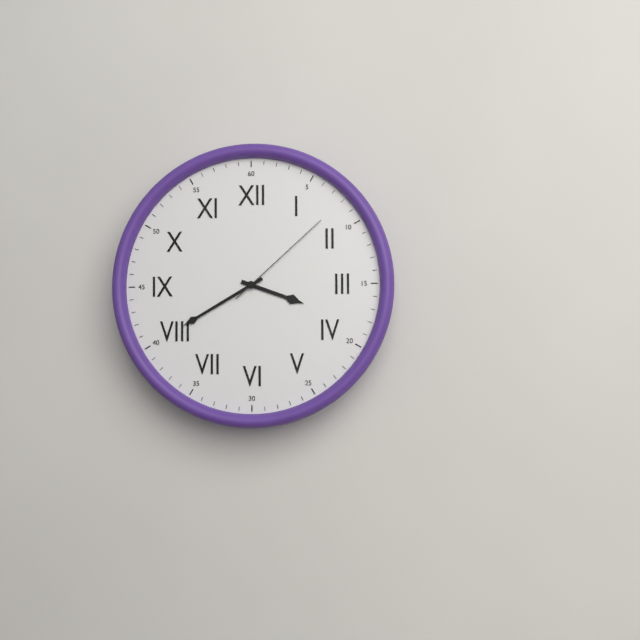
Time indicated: 3:40:08
